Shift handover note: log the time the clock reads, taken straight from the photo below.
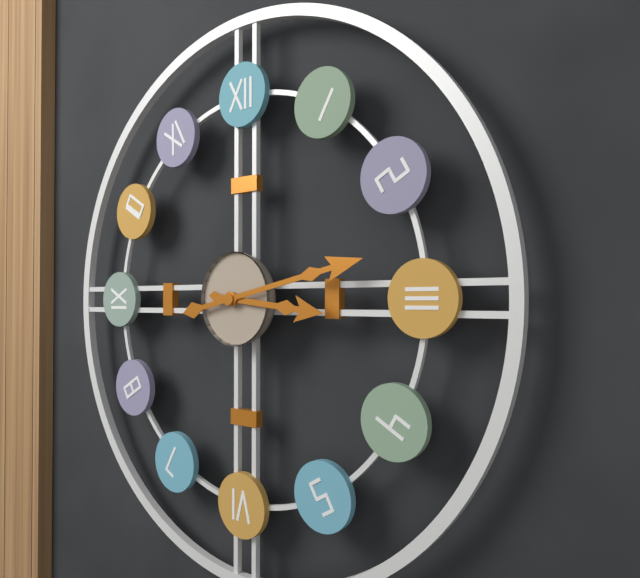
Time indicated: 3:13
